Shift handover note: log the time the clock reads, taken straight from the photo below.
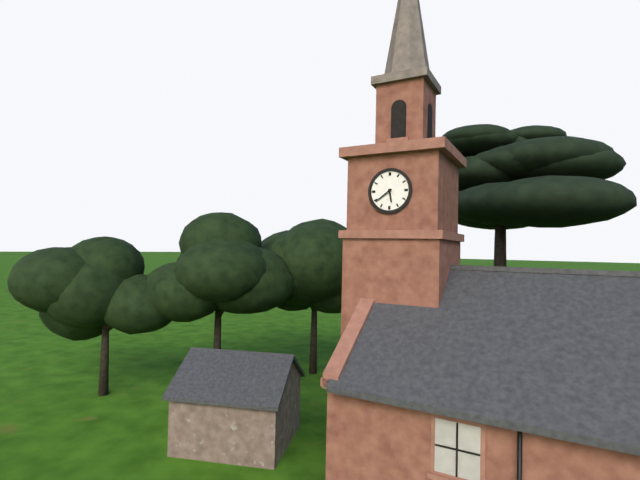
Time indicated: 5:39
